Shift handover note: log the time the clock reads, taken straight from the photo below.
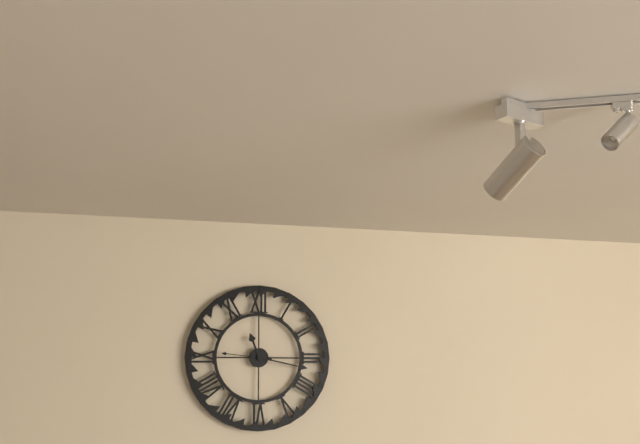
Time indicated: 11:17
